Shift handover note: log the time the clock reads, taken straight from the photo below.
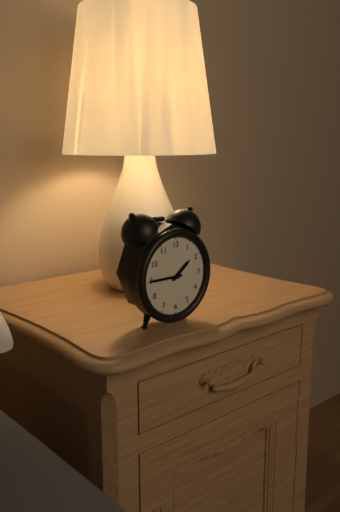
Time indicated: 1:45
